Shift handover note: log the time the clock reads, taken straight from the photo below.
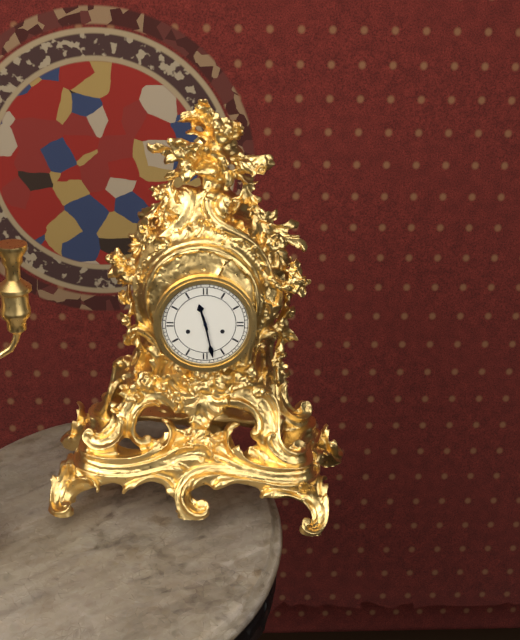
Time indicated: 11:28
